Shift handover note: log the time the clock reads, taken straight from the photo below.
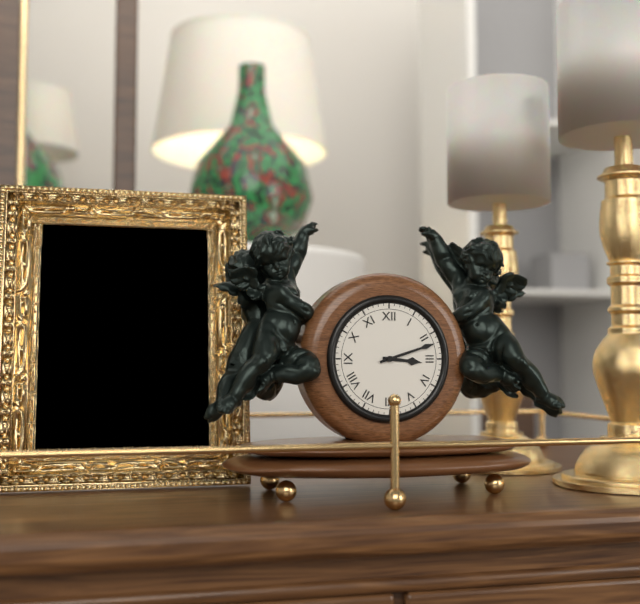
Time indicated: 3:12
